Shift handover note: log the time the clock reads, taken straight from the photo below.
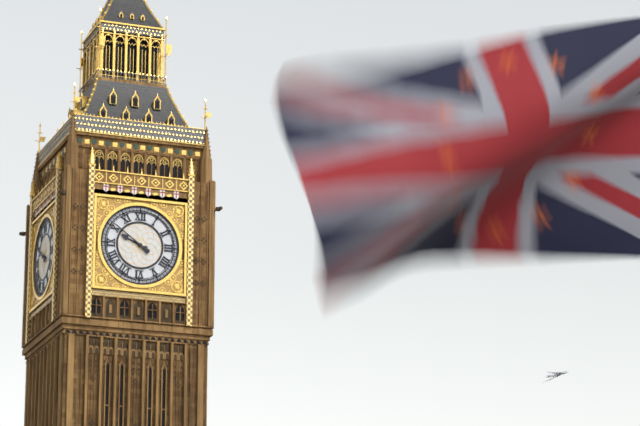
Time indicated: 9:51
